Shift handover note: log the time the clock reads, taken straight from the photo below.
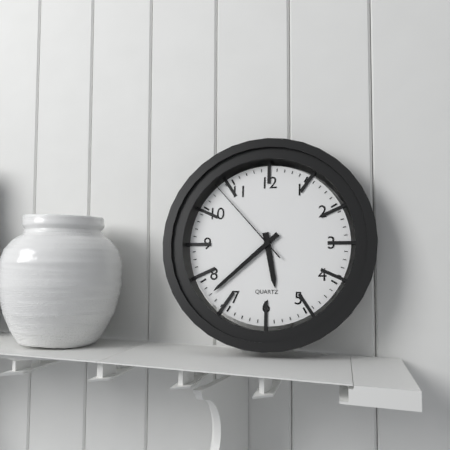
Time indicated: 5:38:53
